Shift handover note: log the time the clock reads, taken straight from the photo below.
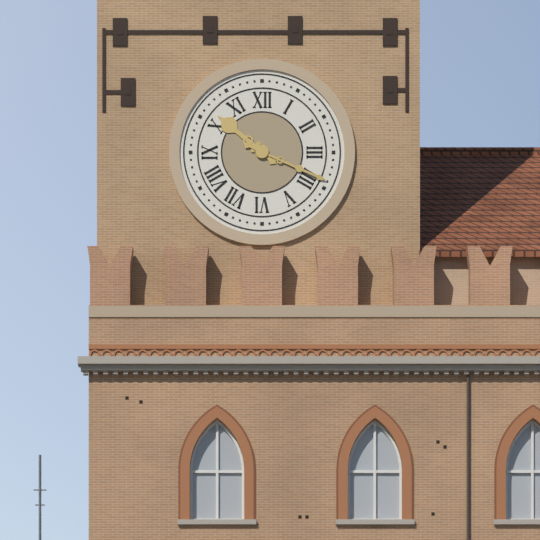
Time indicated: 10:19
